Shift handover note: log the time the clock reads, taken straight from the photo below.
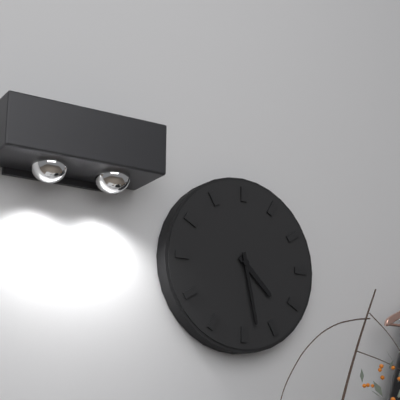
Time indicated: 4:28
